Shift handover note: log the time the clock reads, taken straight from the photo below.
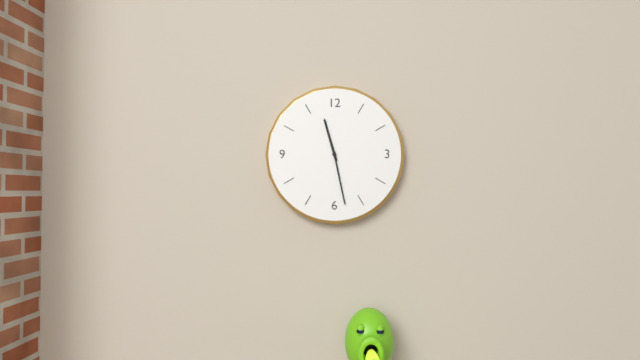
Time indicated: 11:28
